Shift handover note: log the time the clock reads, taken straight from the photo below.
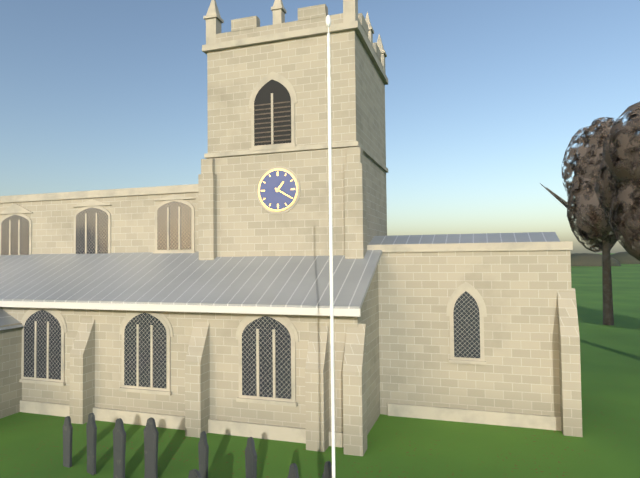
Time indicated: 1:20
